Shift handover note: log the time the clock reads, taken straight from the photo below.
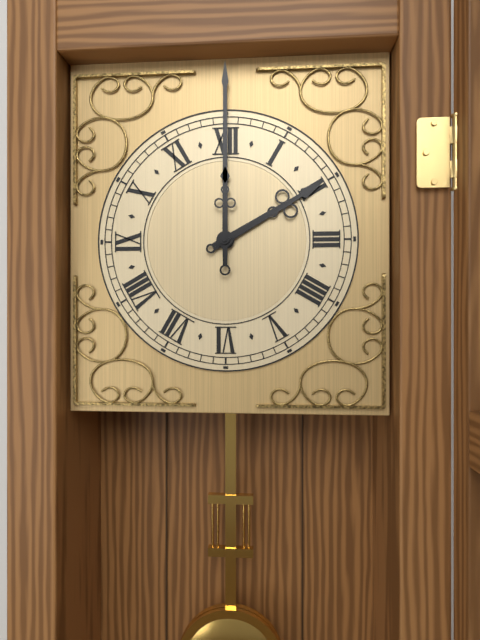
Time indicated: 2:00
